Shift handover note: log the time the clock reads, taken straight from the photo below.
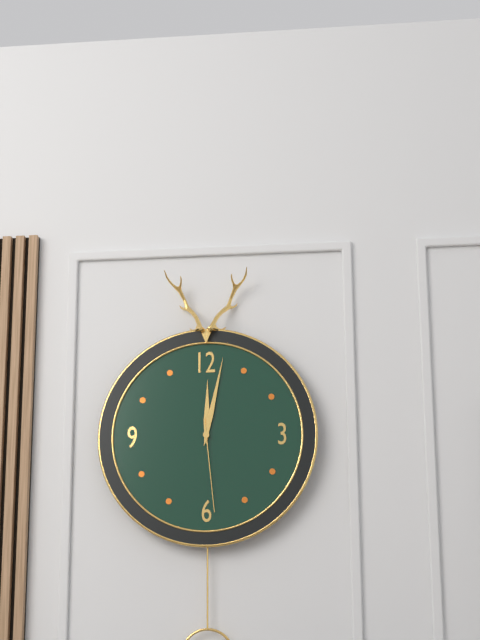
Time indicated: 12:02:29
